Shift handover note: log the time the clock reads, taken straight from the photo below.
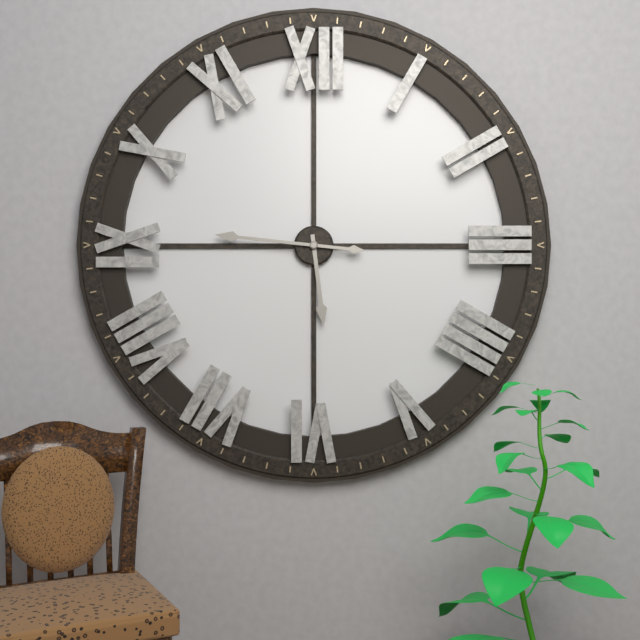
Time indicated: 5:46
